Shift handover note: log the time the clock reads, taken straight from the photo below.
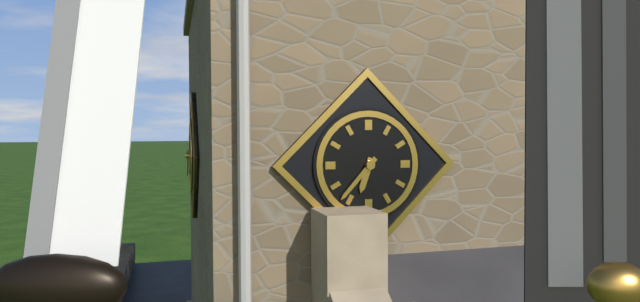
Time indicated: 6:37
